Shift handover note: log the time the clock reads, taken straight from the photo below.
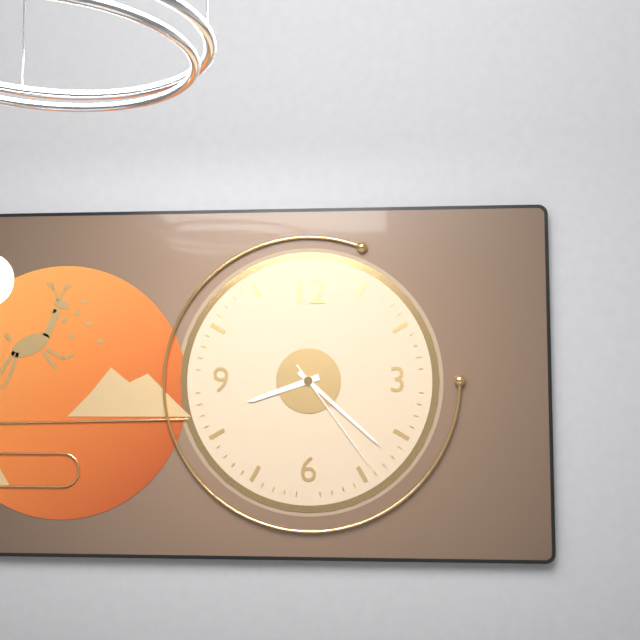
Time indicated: 8:22:24
